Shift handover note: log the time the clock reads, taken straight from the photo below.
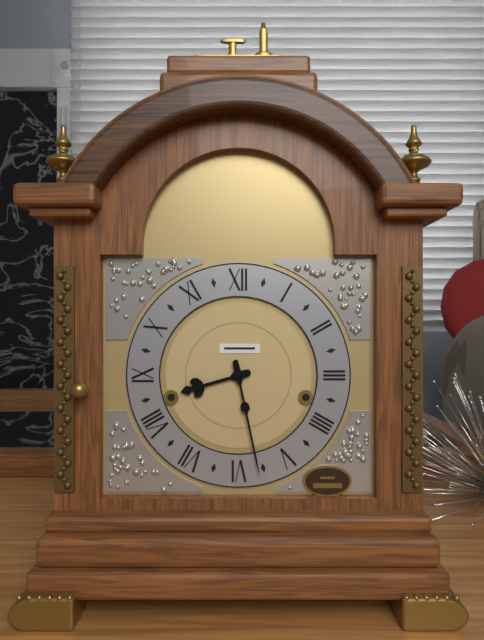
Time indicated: 8:28
